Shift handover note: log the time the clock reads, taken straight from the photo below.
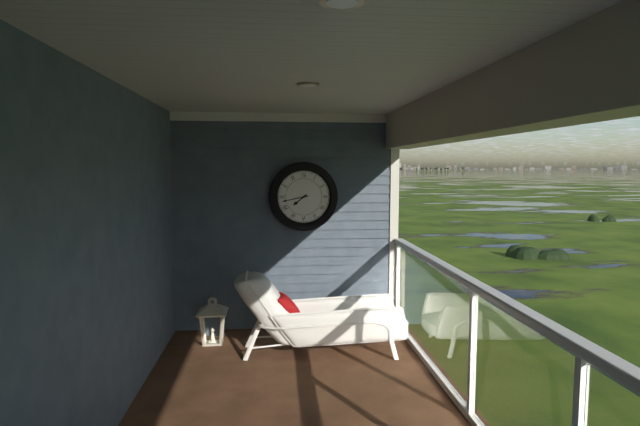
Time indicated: 7:43
